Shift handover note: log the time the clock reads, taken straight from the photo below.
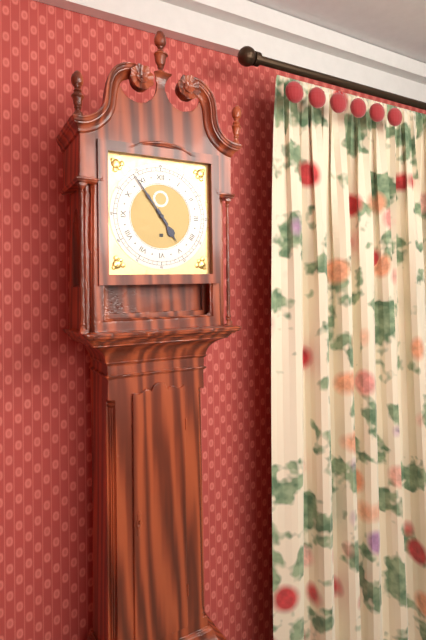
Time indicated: 4:54
